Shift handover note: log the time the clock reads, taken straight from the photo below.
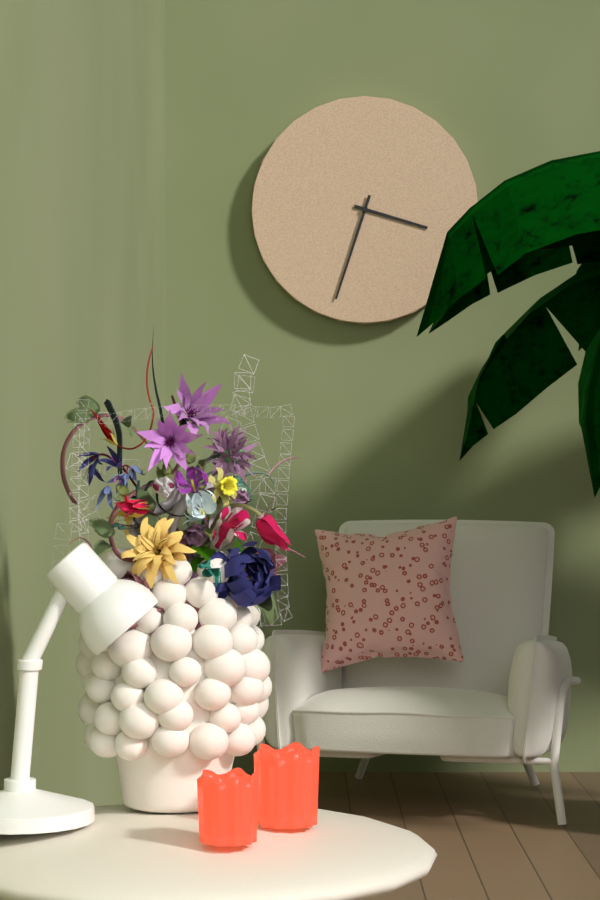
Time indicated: 3:33
